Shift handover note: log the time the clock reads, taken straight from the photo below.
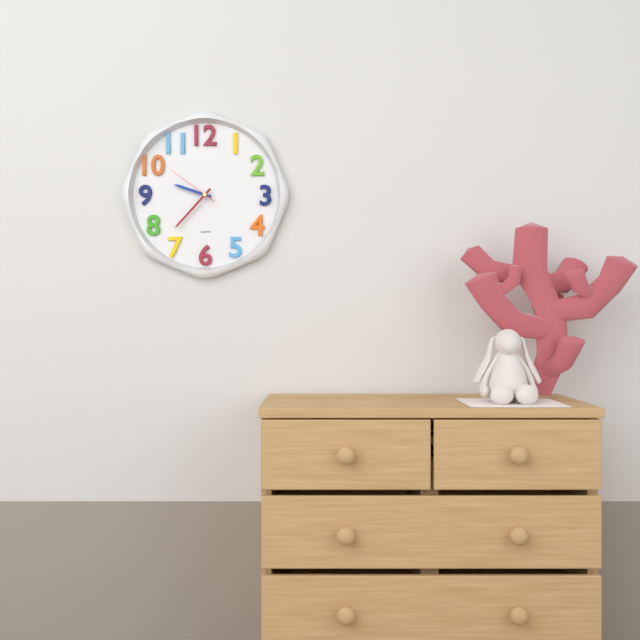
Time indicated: 9:37:51
